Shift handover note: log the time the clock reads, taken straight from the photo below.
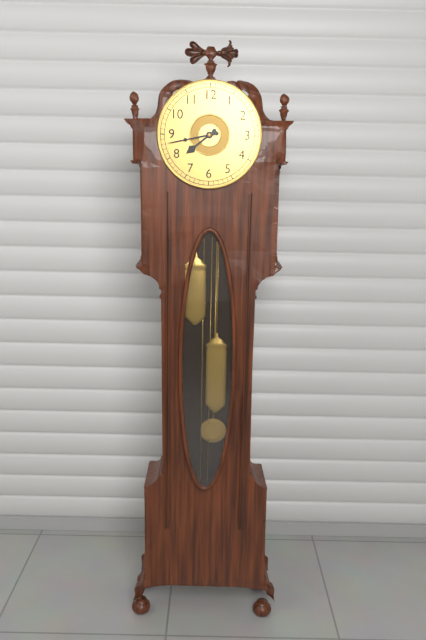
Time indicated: 7:43
